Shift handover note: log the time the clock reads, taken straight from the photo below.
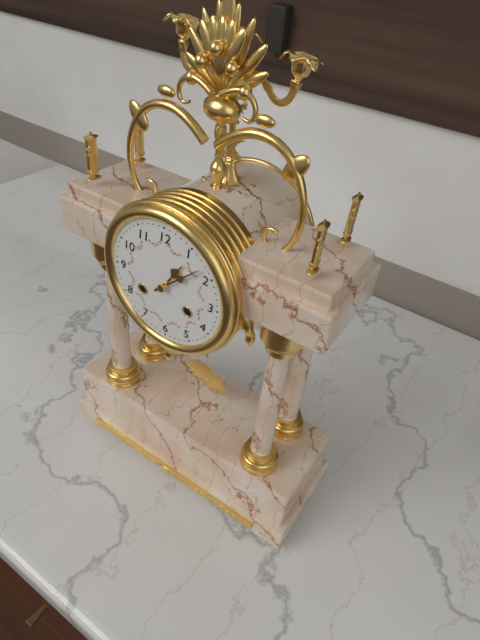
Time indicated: 1:08
